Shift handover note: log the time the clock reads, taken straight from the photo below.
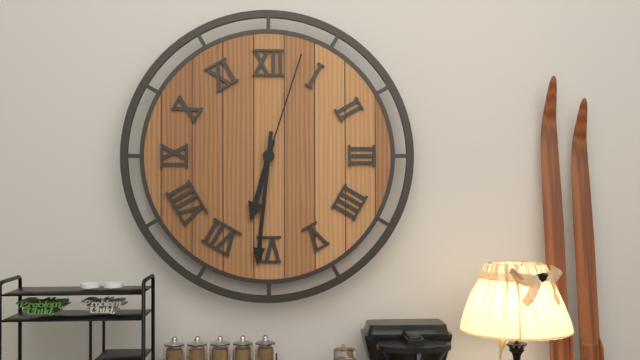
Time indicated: 6:31:03
